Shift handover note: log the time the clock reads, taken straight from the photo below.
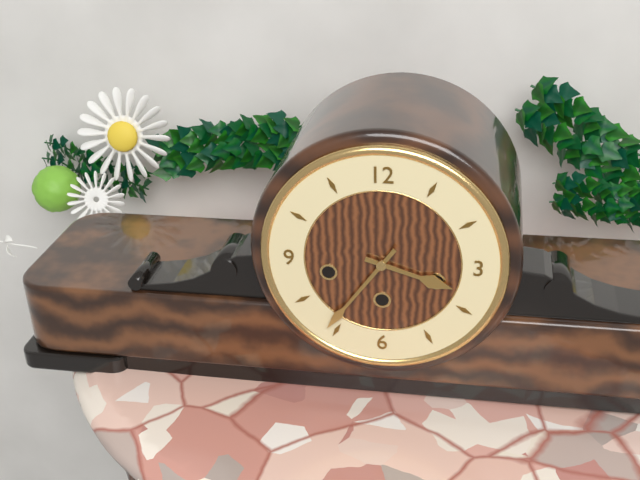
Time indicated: 3:36
